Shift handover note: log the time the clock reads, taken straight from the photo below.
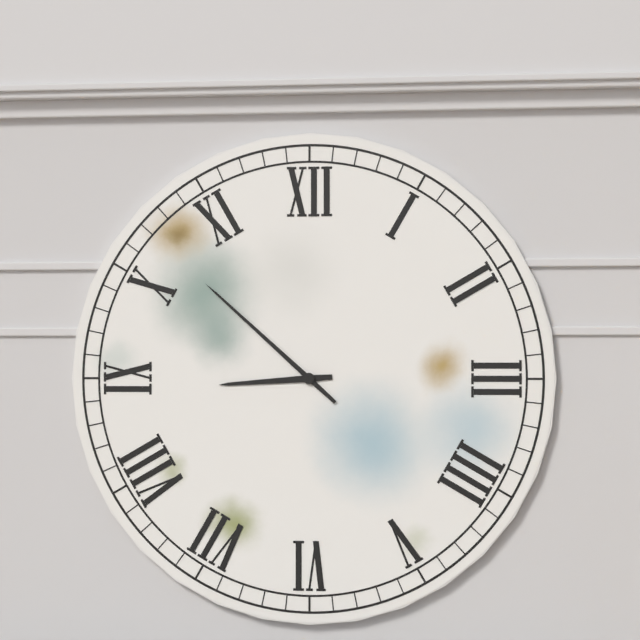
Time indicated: 8:52
